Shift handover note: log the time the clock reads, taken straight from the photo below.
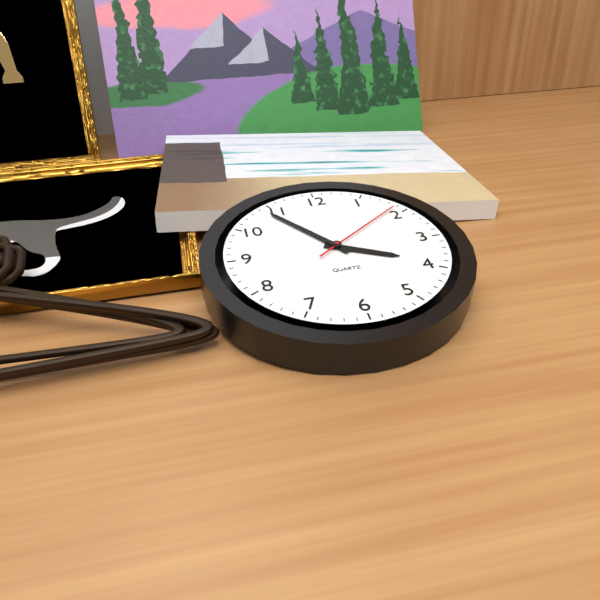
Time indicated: 3:54:09
